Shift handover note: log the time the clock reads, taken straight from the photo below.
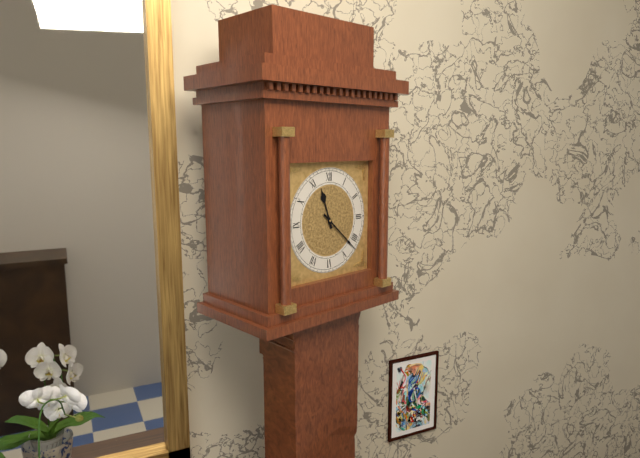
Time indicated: 11:22
